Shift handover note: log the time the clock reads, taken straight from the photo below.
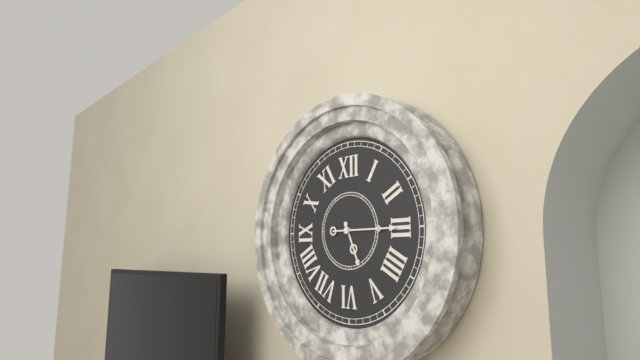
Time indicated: 5:15
